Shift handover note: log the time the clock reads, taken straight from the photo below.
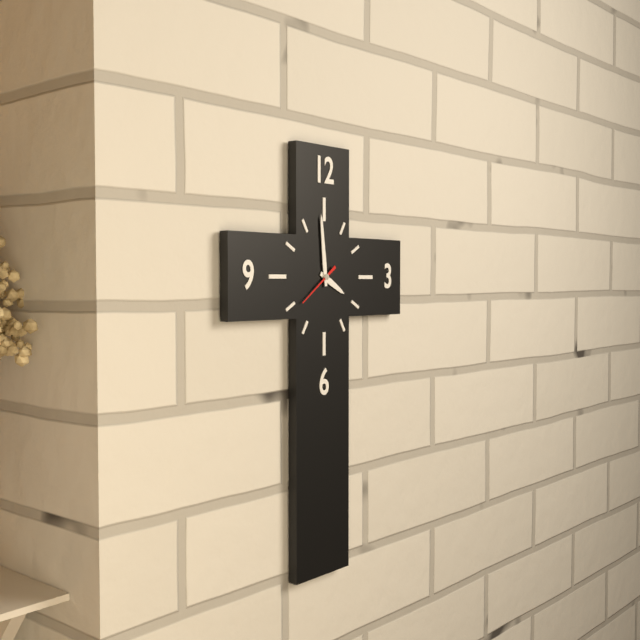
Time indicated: 3:59
